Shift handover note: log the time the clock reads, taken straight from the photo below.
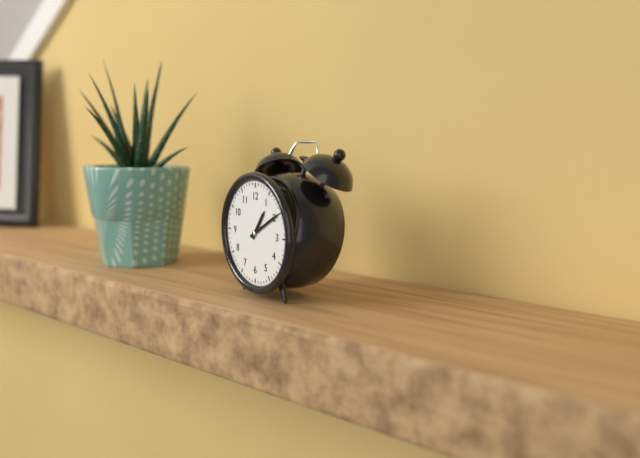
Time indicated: 1:10
